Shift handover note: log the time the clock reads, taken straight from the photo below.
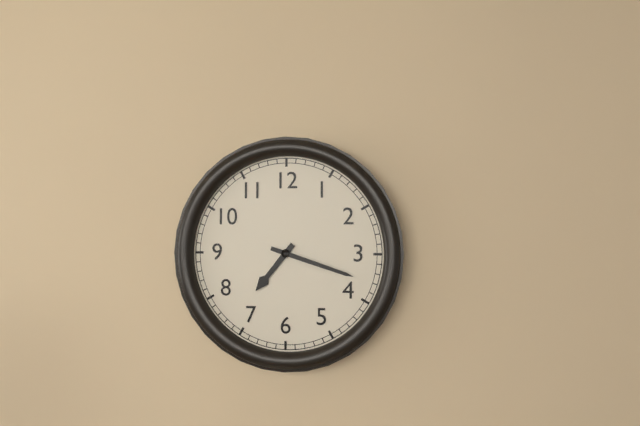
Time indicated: 7:18
